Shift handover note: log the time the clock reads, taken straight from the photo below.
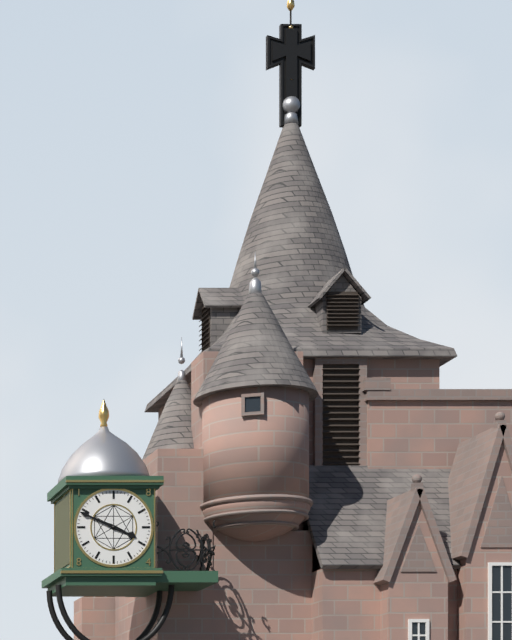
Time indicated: 3:49
